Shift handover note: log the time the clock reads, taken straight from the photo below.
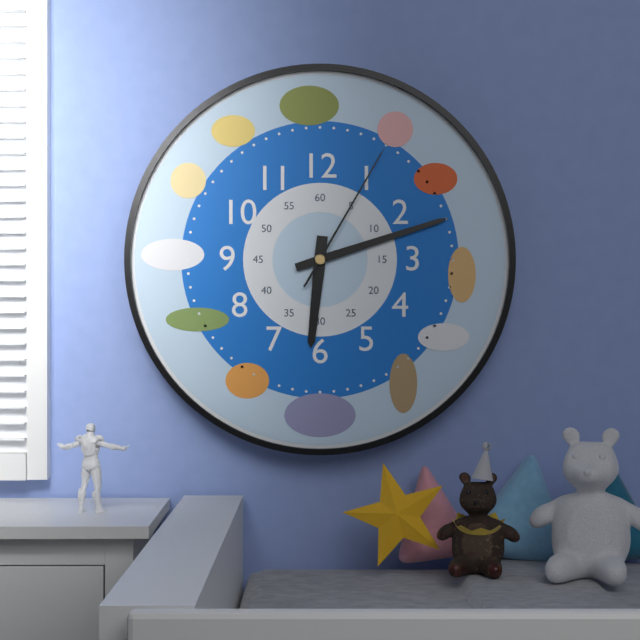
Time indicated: 6:12:05
